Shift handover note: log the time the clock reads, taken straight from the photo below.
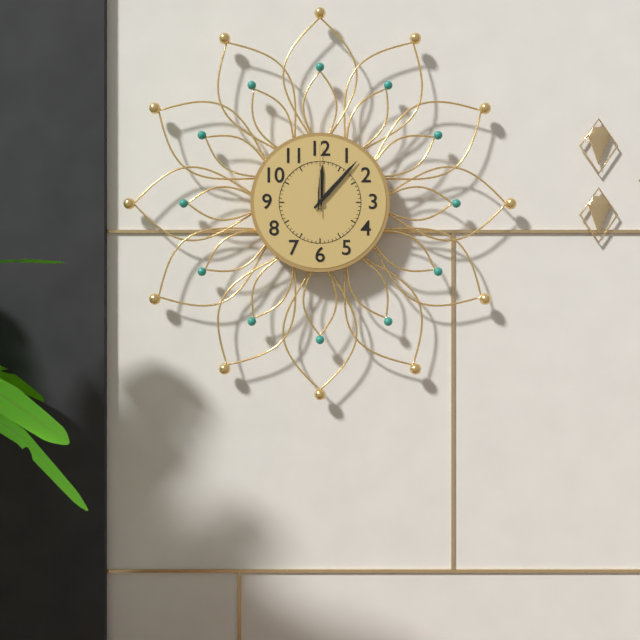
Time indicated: 12:07:00
